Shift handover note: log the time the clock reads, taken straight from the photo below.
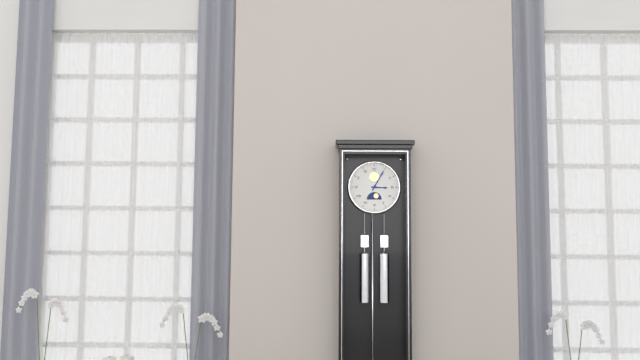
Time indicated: 3:05
